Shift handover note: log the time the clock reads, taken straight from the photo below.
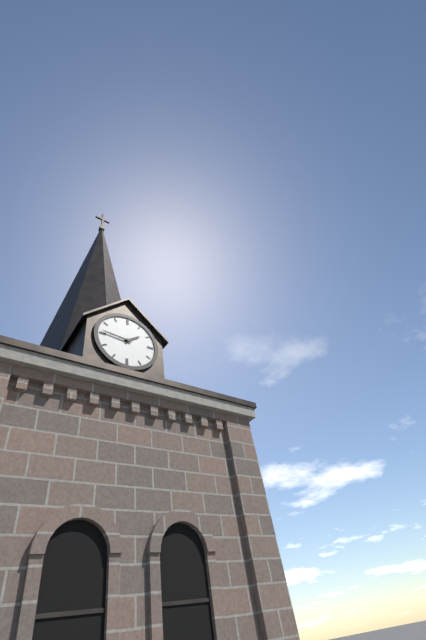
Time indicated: 1:46
